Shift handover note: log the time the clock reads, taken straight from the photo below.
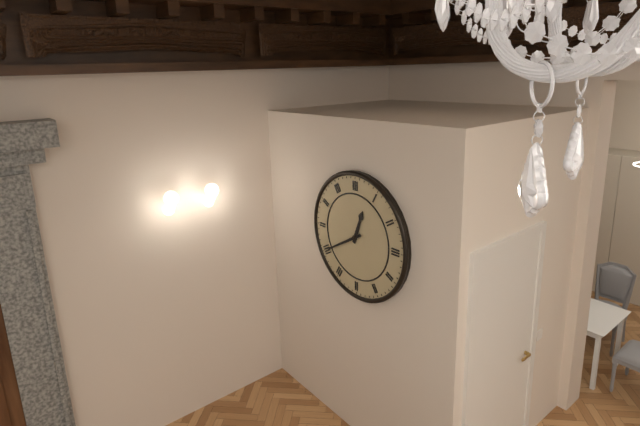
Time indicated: 12:40
